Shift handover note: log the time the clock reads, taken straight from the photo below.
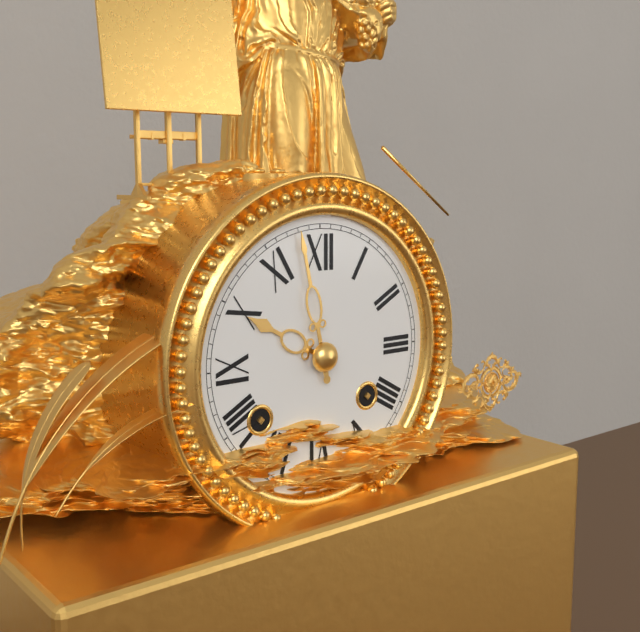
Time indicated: 9:58
